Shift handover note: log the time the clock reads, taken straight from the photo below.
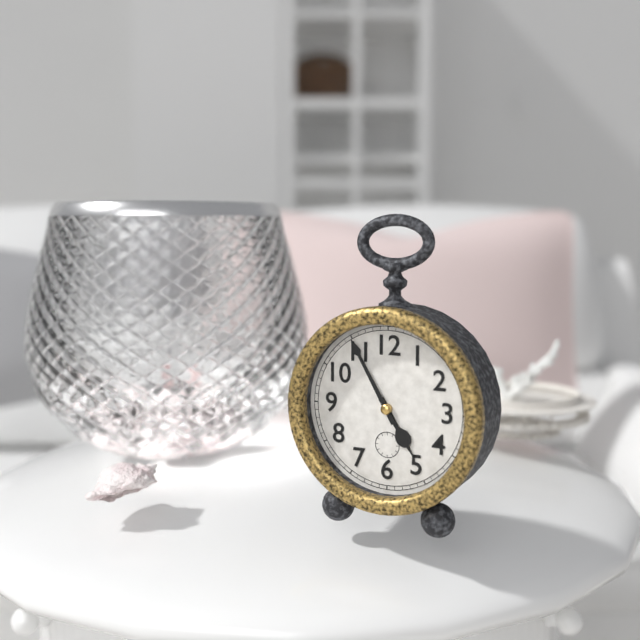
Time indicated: 4:55
